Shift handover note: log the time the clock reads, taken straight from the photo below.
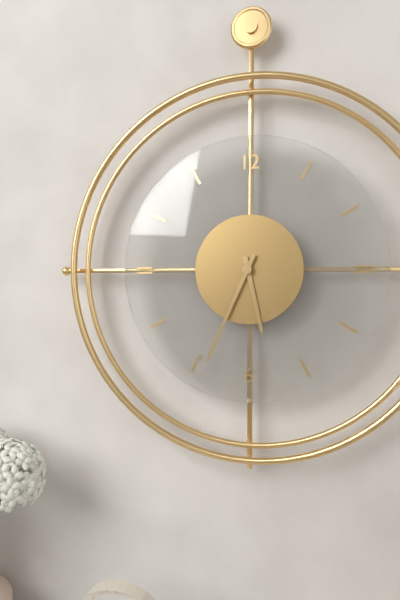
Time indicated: 5:34
